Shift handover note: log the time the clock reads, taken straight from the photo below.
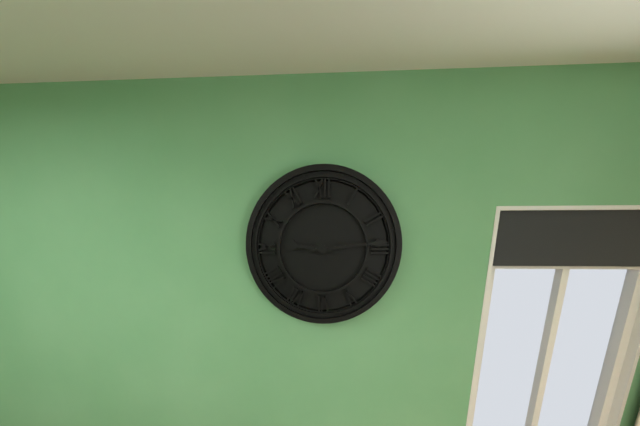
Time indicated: 9:14
